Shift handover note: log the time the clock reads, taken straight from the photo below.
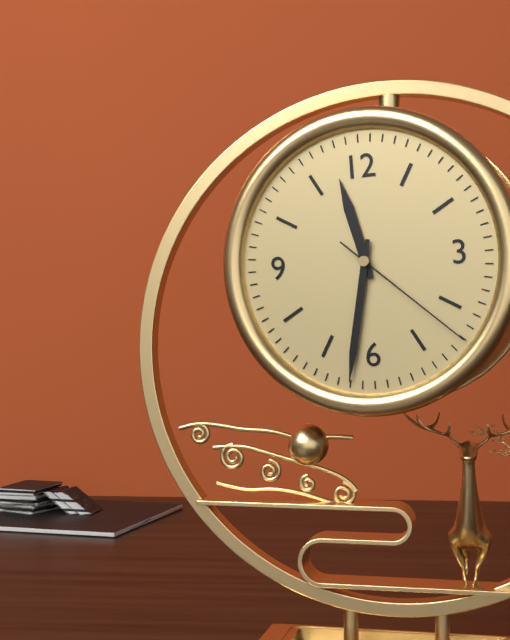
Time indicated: 11:32:22
